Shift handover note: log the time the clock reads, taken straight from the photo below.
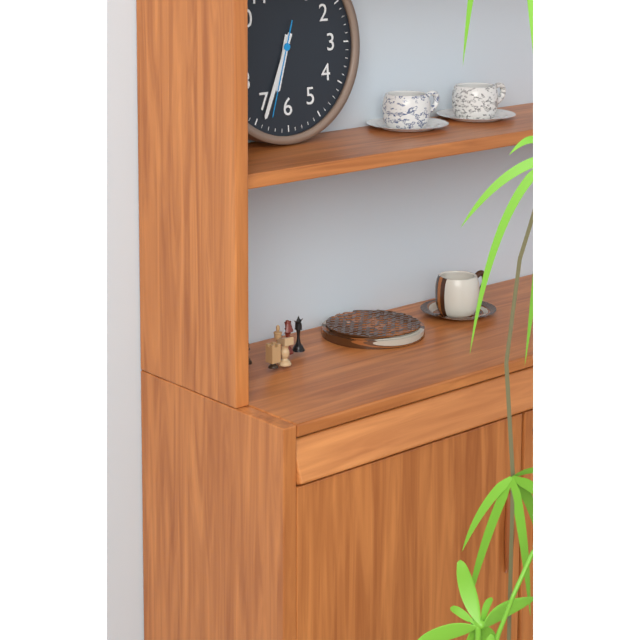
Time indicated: 6:34:33
